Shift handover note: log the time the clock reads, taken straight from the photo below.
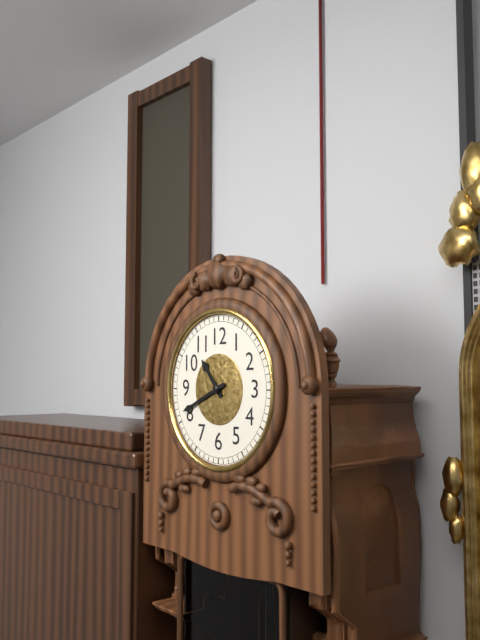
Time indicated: 10:41
